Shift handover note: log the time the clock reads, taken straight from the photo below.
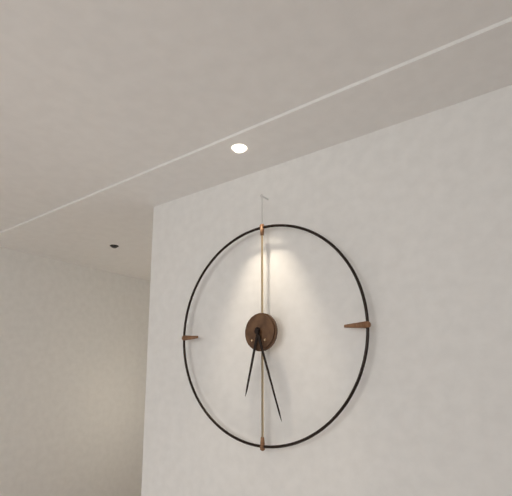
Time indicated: 6:27
